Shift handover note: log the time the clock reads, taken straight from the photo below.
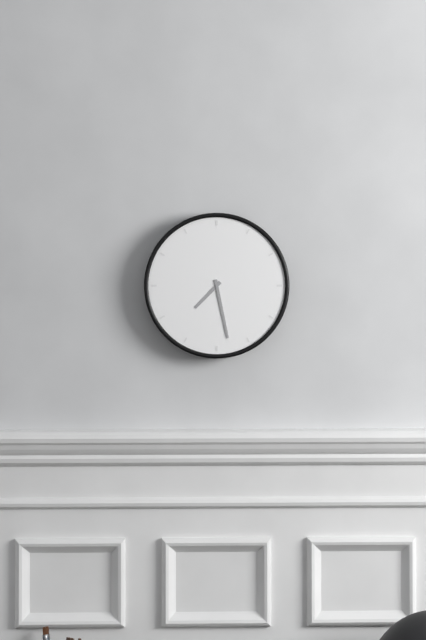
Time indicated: 7:28
